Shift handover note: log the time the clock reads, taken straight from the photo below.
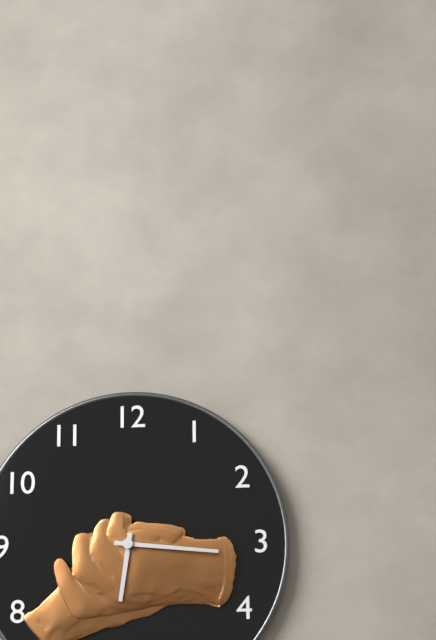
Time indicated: 6:16
